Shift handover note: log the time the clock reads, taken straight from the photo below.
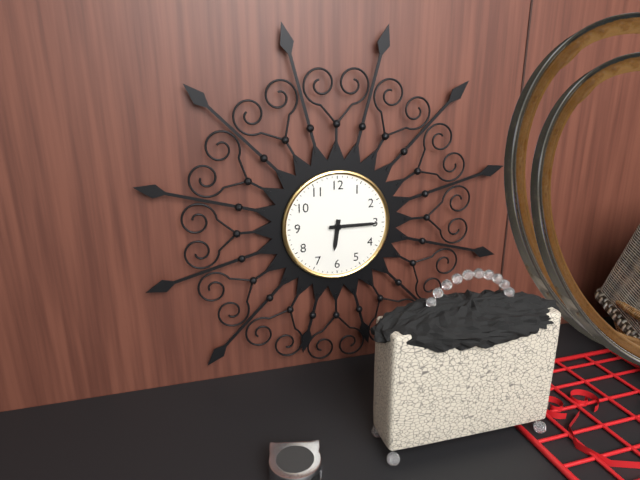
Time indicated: 6:15
